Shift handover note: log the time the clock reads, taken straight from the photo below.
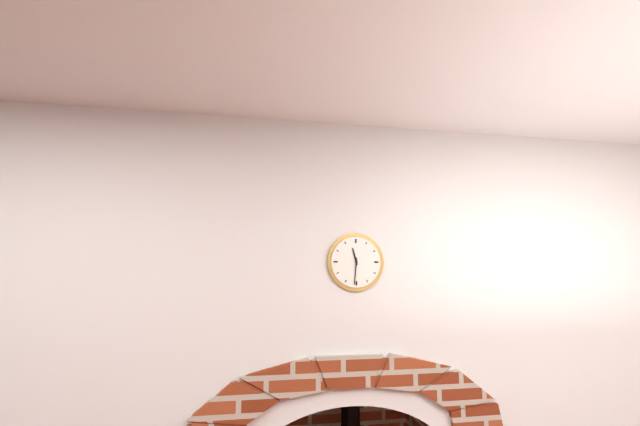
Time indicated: 11:31
